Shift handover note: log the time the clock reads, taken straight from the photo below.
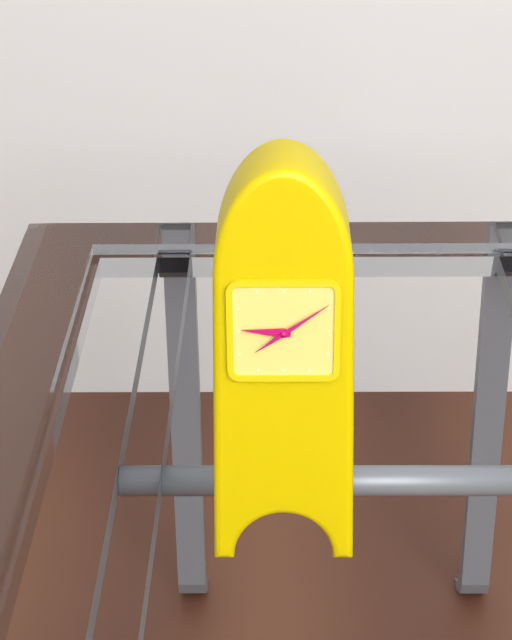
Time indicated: 9:09
